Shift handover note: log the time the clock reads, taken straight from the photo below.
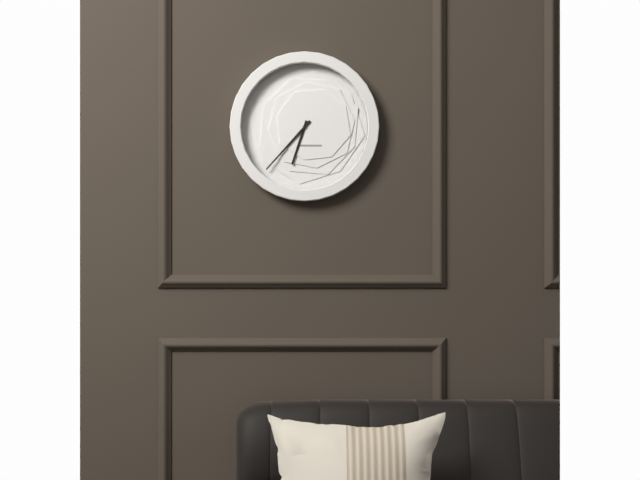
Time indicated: 6:37
